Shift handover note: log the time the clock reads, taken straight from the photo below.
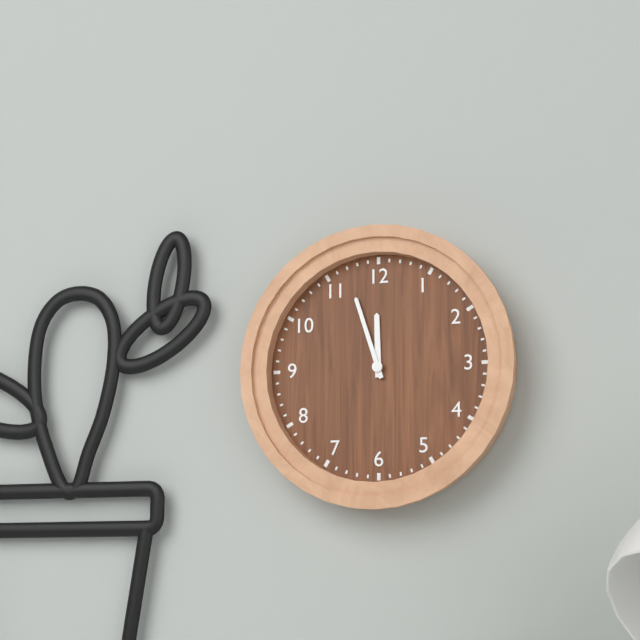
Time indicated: 11:57
